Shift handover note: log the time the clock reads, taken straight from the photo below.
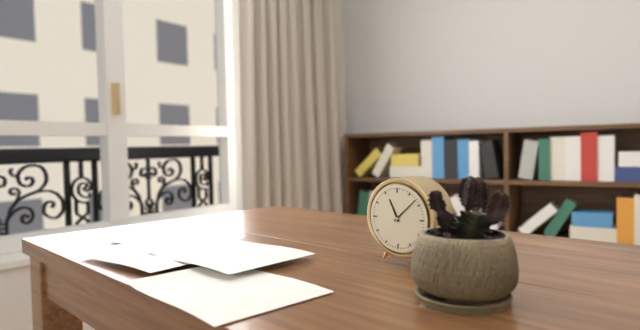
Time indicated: 11:08
